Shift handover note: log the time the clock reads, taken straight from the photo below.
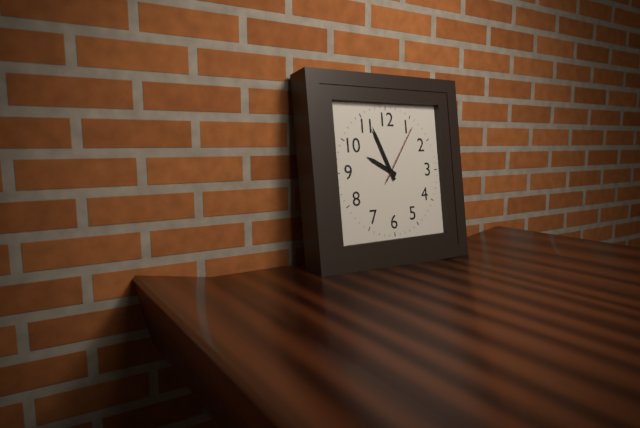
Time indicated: 9:56:06
